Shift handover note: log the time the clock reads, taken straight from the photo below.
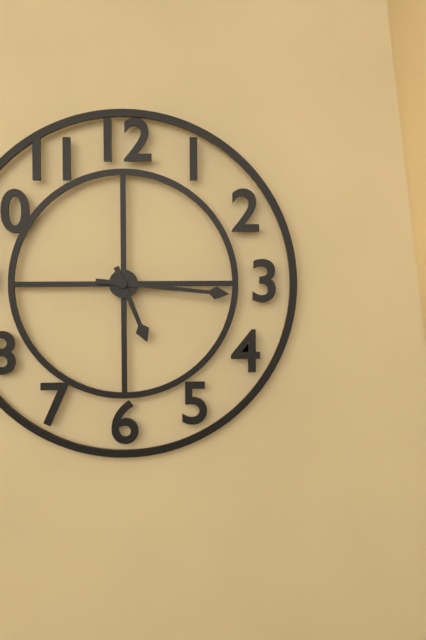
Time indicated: 5:16
